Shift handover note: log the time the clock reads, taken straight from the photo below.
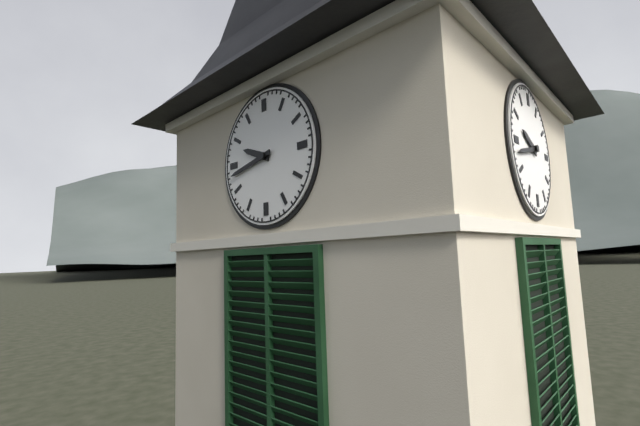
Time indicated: 9:43
